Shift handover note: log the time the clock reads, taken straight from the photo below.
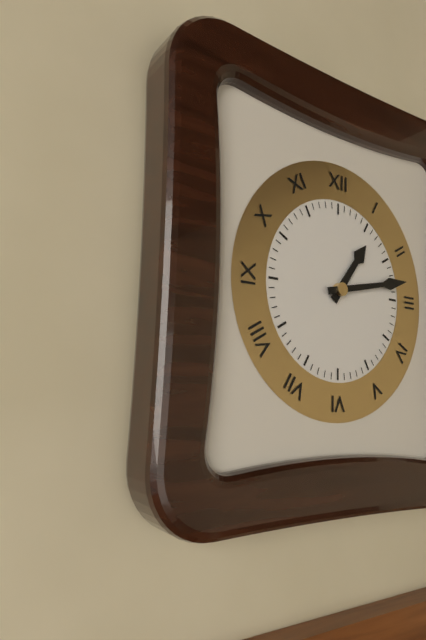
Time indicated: 1:13
